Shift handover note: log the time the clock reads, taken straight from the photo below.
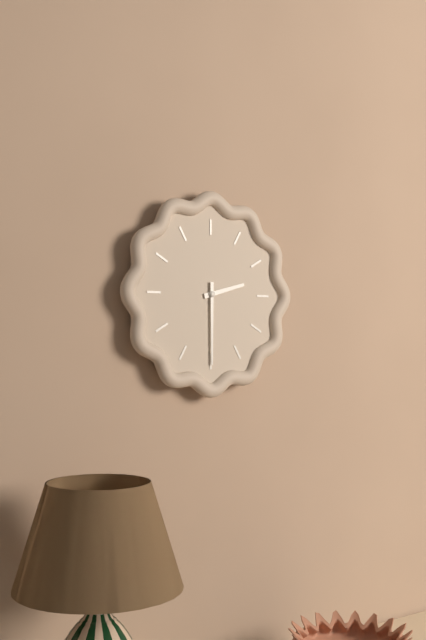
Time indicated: 2:30
